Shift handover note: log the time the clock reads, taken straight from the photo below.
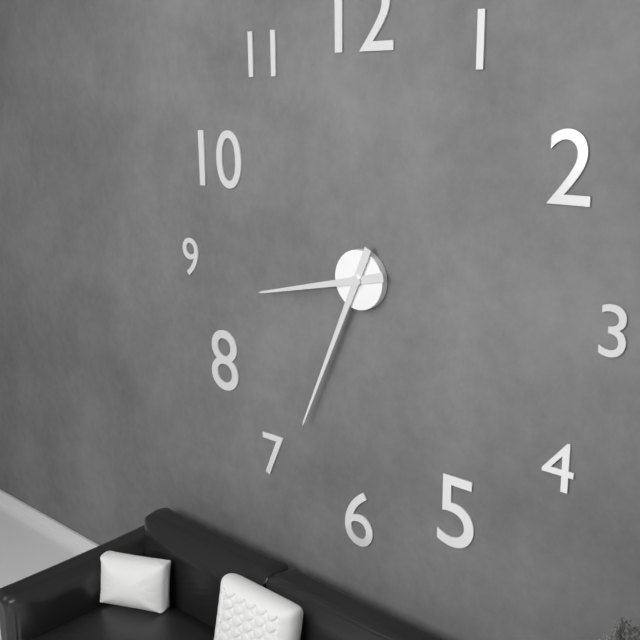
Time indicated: 8:34
